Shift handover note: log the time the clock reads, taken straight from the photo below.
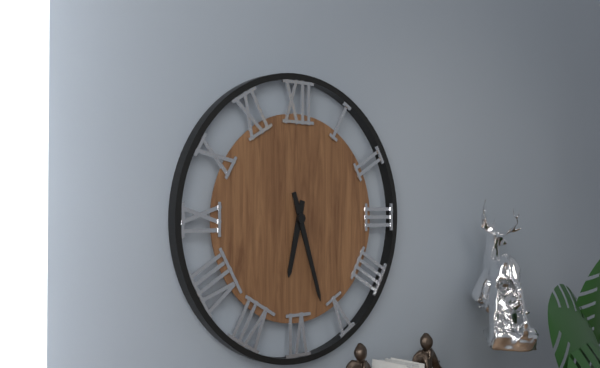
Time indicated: 6:27
